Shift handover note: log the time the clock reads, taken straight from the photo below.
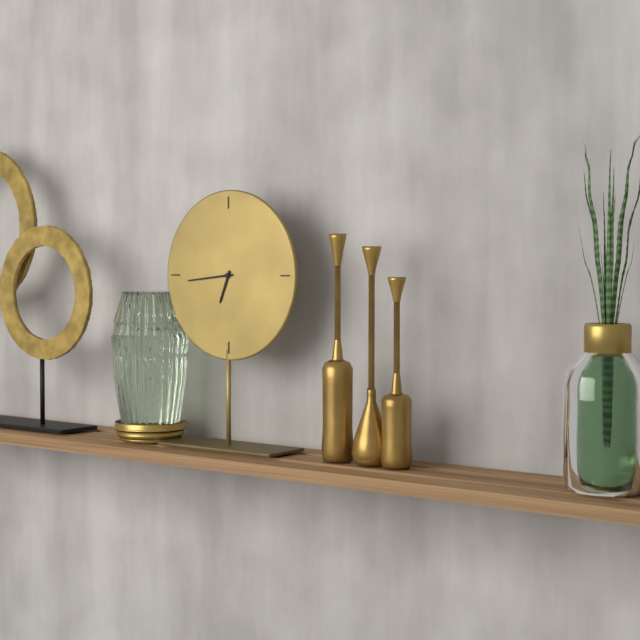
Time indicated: 6:44
